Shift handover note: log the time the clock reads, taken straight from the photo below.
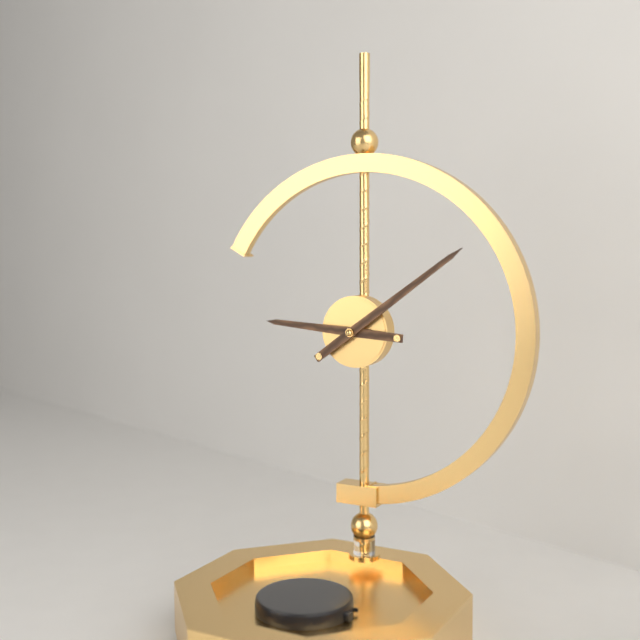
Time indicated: 9:09
